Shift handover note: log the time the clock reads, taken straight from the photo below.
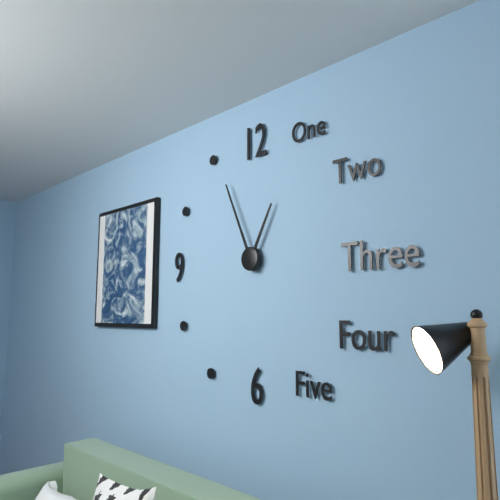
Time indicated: 12:56
